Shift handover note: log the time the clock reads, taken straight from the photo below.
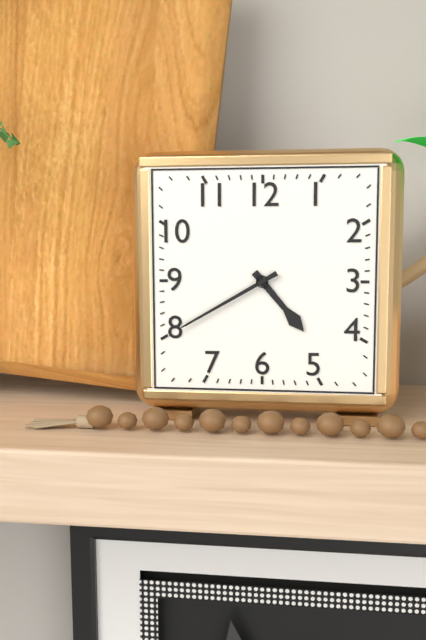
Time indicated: 4:40
